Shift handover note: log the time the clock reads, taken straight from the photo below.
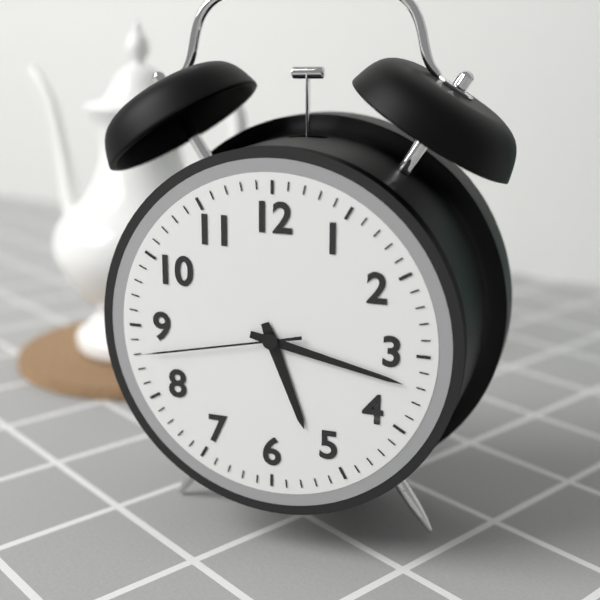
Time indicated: 5:17:43
